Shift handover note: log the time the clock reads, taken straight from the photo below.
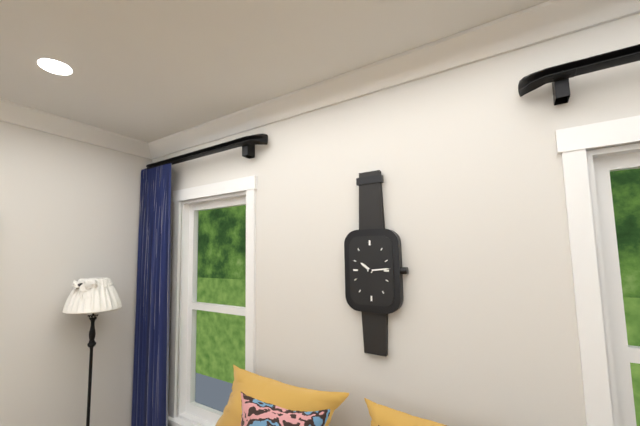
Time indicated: 10:14
